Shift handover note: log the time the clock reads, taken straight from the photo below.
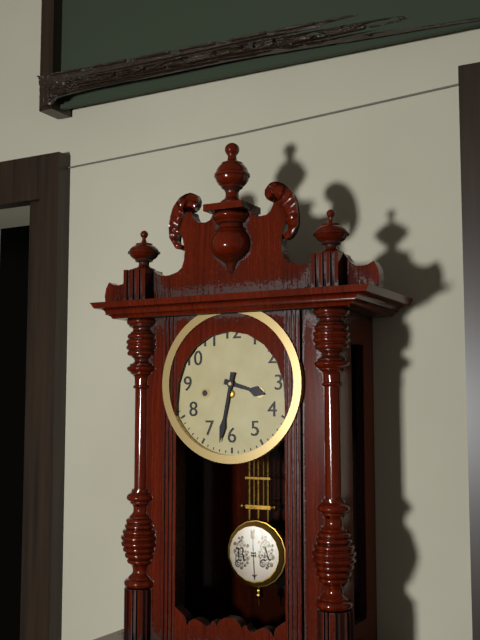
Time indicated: 3:32
